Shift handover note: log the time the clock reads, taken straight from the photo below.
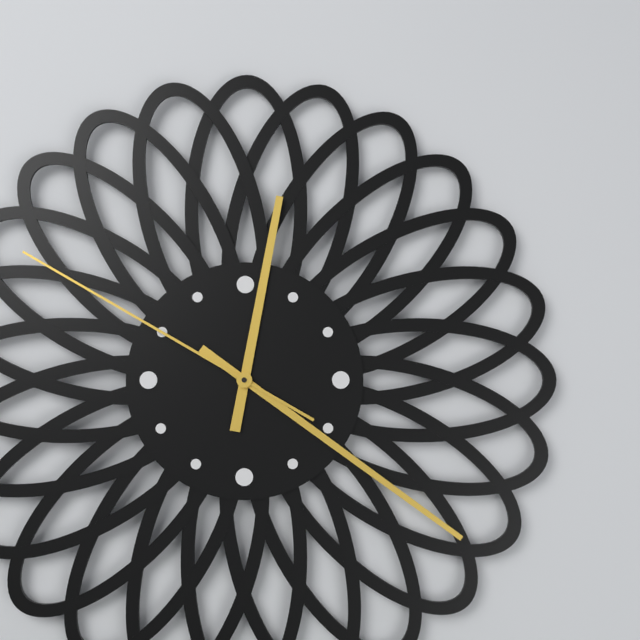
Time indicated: 12:21:50
